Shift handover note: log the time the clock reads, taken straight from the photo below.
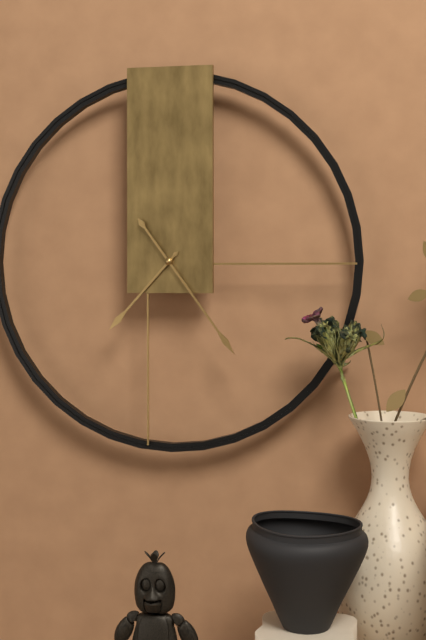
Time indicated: 7:24
